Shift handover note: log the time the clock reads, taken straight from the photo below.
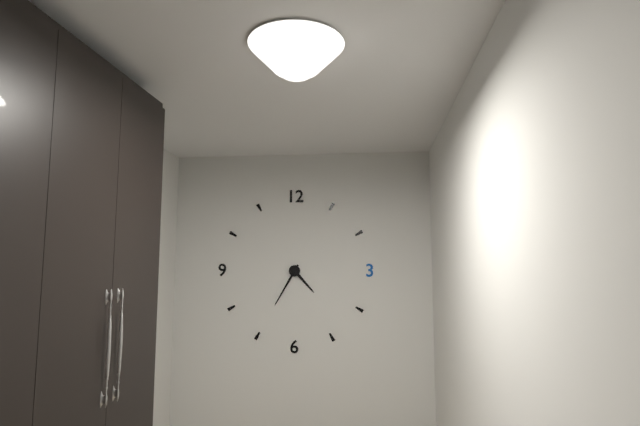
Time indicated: 4:35
